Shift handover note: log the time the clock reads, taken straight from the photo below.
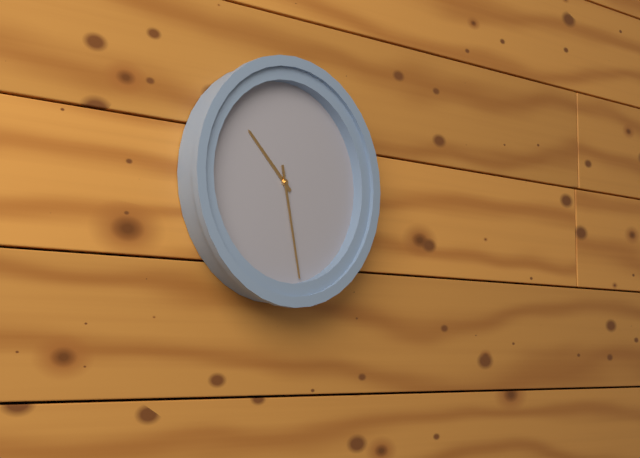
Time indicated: 10:28
